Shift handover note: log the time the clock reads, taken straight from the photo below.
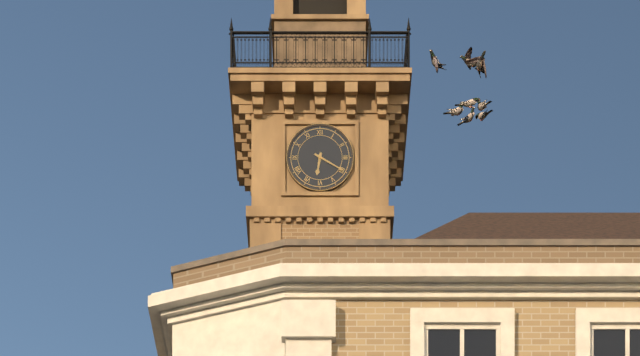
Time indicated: 6:20
